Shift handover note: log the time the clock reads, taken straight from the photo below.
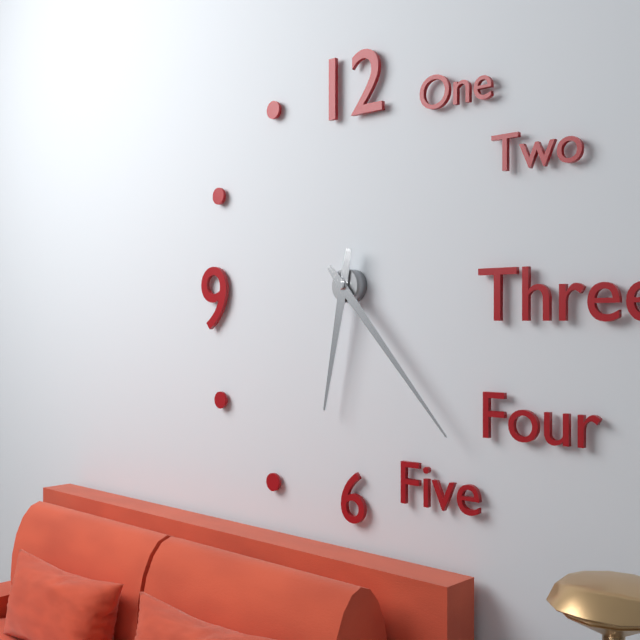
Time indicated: 6:23
